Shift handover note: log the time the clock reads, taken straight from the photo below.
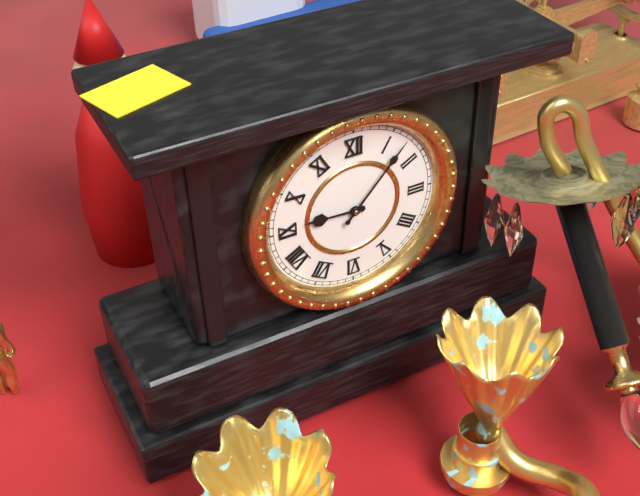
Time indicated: 9:07
